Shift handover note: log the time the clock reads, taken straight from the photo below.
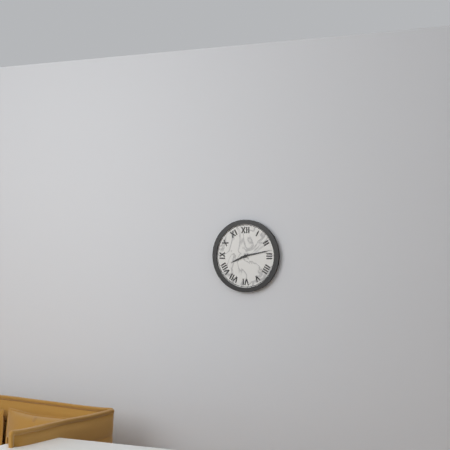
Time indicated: 8:13
